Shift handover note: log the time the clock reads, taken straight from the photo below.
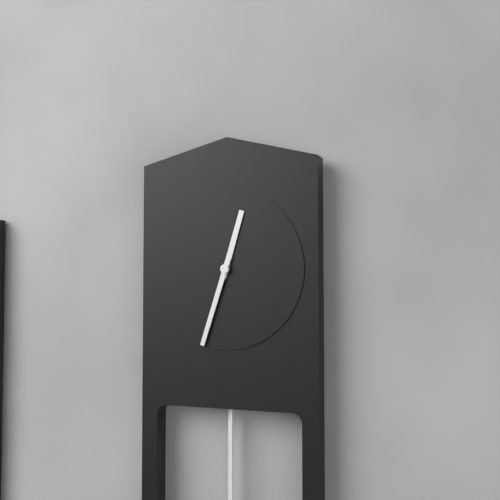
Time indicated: 12:33
